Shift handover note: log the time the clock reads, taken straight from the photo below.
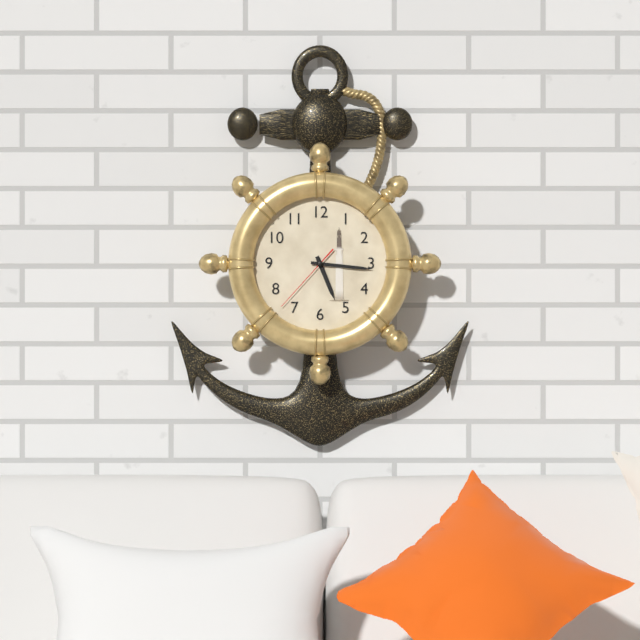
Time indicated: 5:16:37
